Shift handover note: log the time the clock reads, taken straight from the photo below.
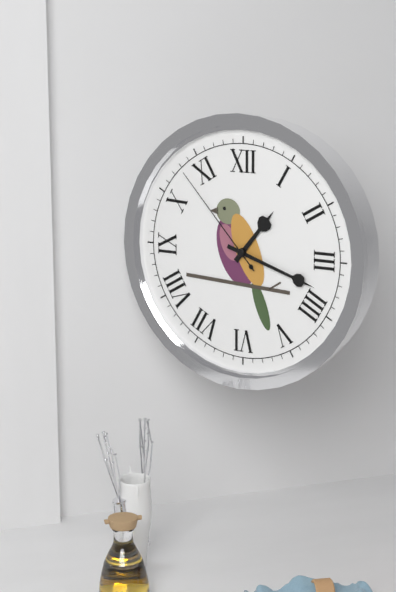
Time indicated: 1:18:53
